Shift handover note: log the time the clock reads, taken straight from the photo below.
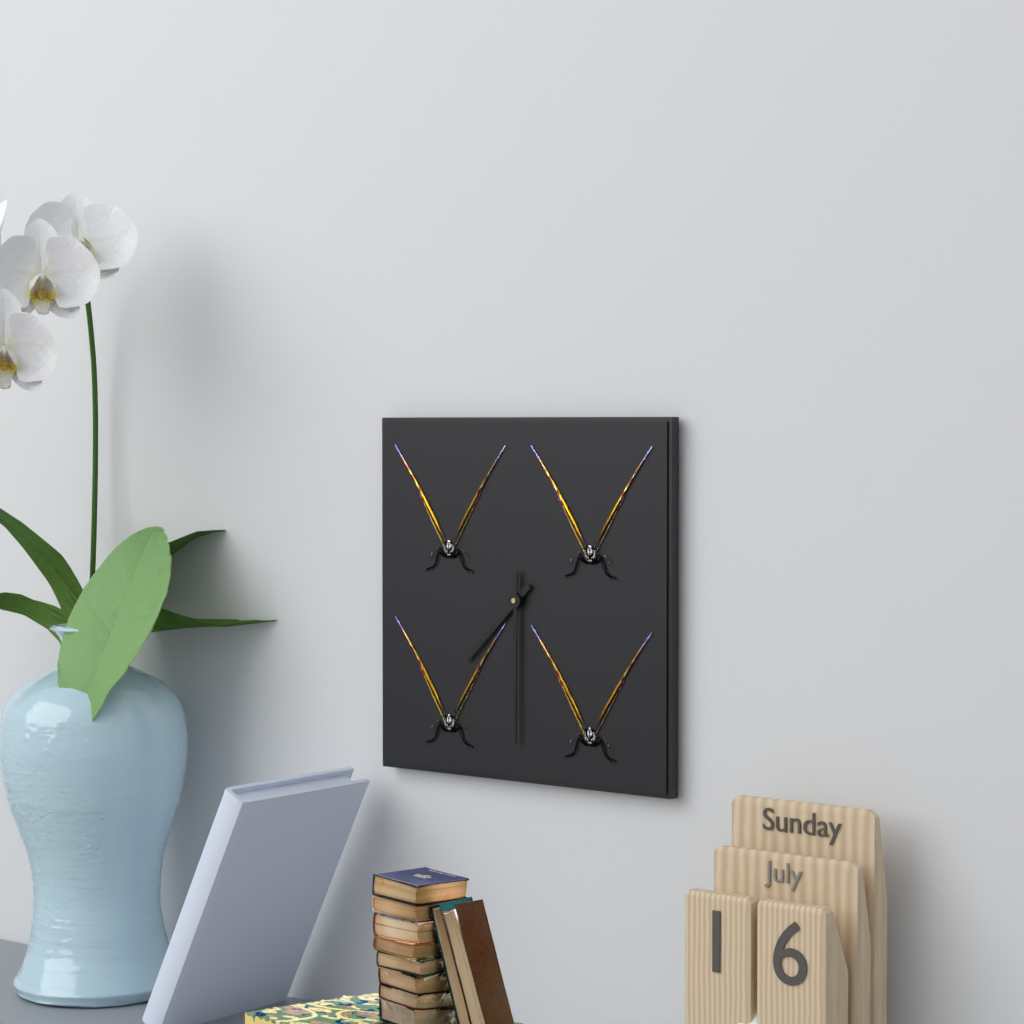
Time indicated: 7:30
